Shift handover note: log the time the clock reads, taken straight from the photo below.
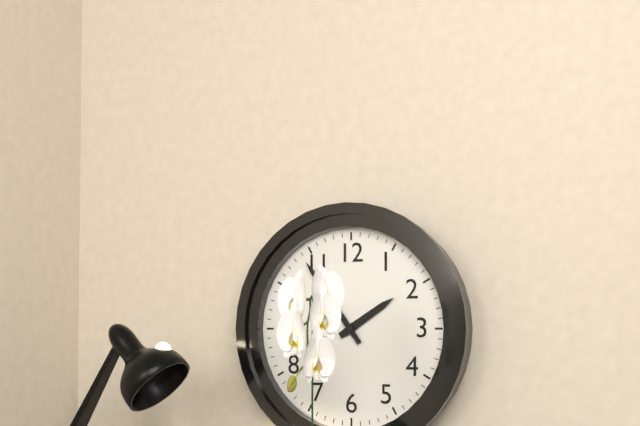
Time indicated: 1:54
